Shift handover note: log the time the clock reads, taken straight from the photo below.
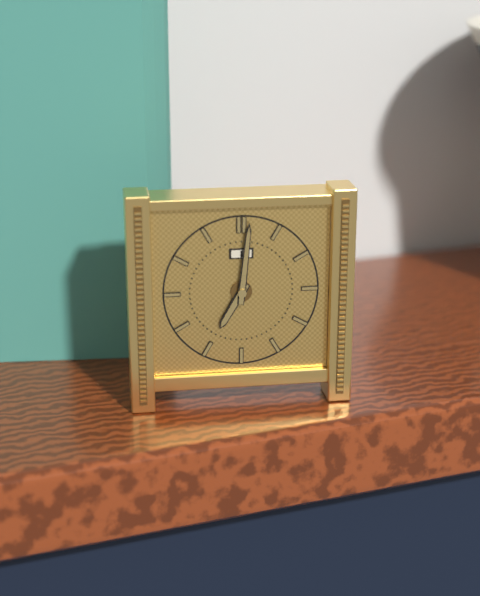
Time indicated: 7:01
